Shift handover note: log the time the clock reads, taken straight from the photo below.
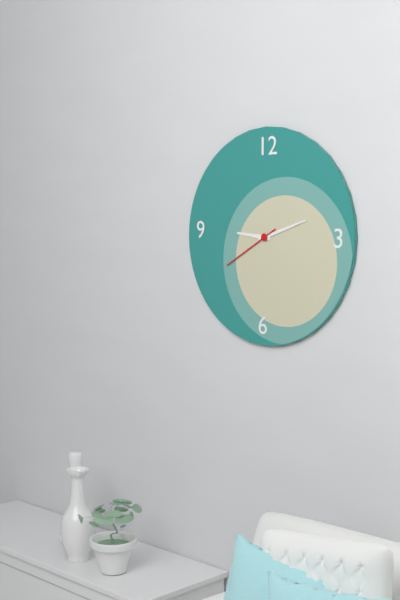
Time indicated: 9:12:40
